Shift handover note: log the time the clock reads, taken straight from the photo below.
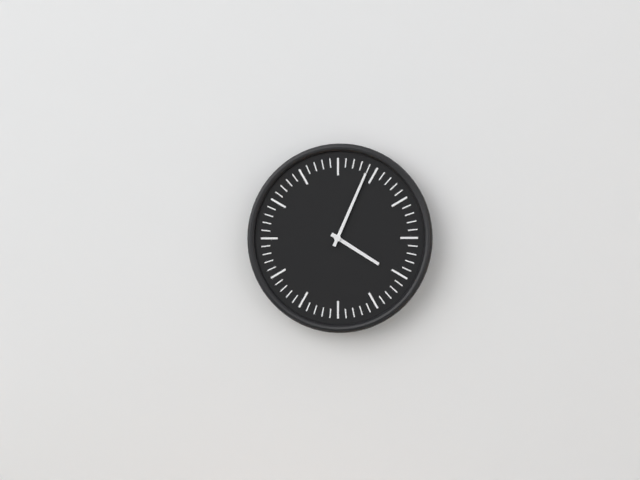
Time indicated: 4:04
